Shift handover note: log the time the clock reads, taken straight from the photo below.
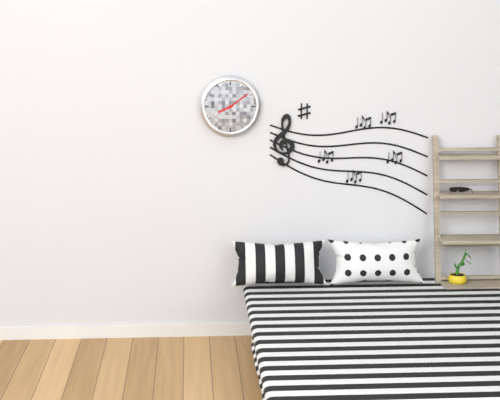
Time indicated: 8:09
